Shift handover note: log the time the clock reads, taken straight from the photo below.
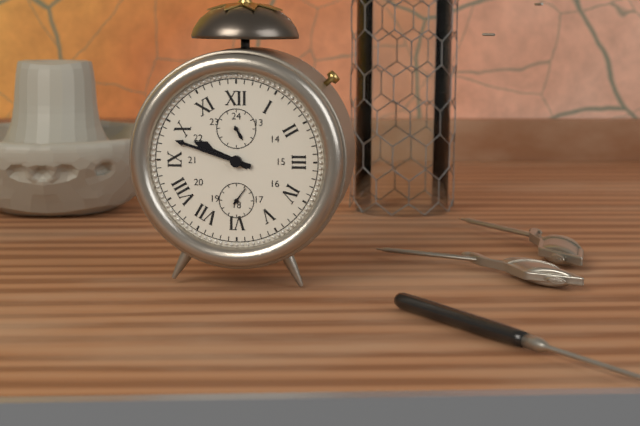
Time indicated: 9:48
